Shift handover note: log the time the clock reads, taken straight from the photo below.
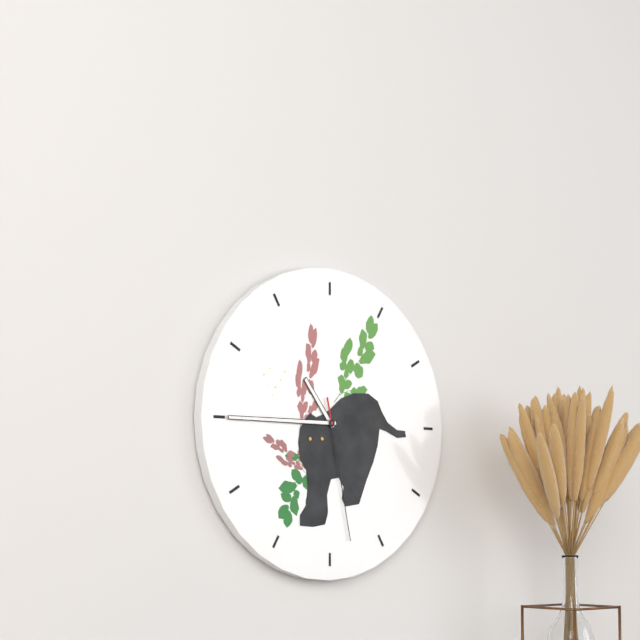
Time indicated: 10:45:28
